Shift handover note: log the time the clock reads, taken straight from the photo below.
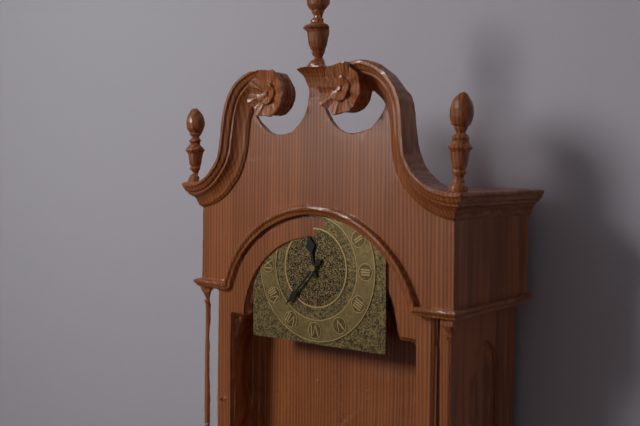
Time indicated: 11:37
